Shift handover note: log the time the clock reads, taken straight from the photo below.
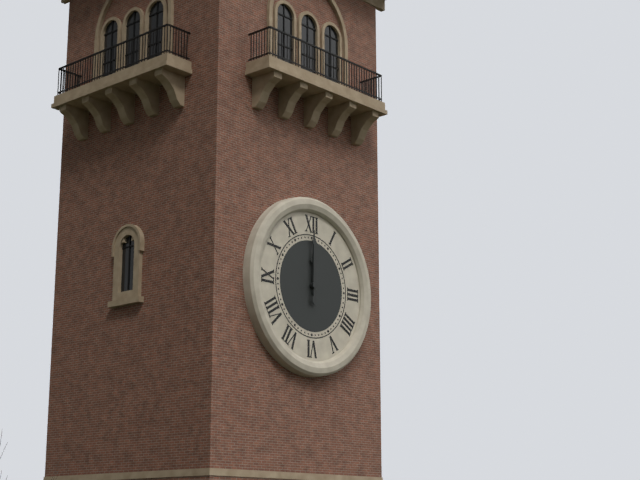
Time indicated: 12:00
